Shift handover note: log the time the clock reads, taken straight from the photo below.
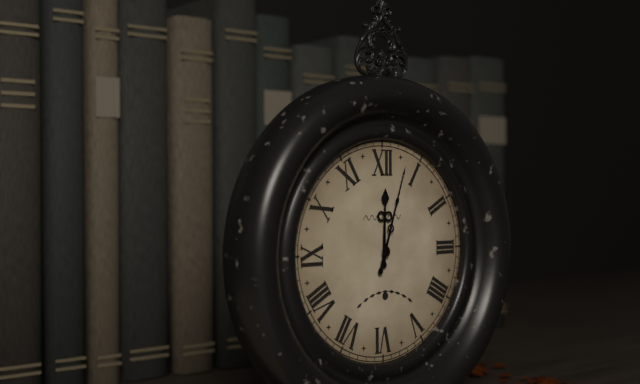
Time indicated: 12:03
